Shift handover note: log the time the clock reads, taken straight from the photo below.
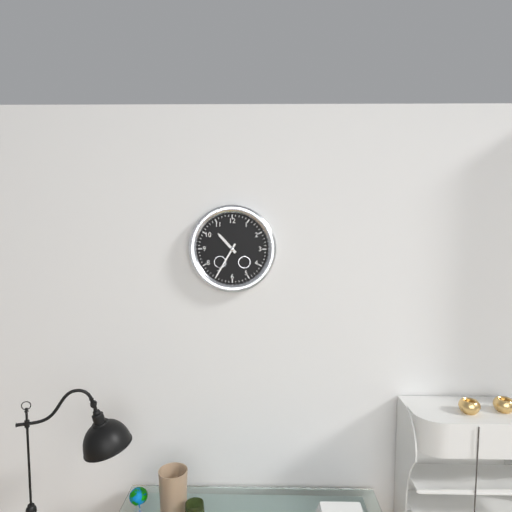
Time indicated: 10:35
